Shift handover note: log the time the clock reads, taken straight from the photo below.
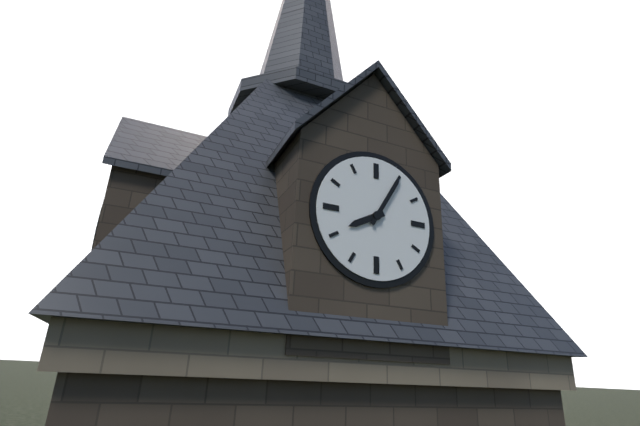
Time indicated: 8:05
